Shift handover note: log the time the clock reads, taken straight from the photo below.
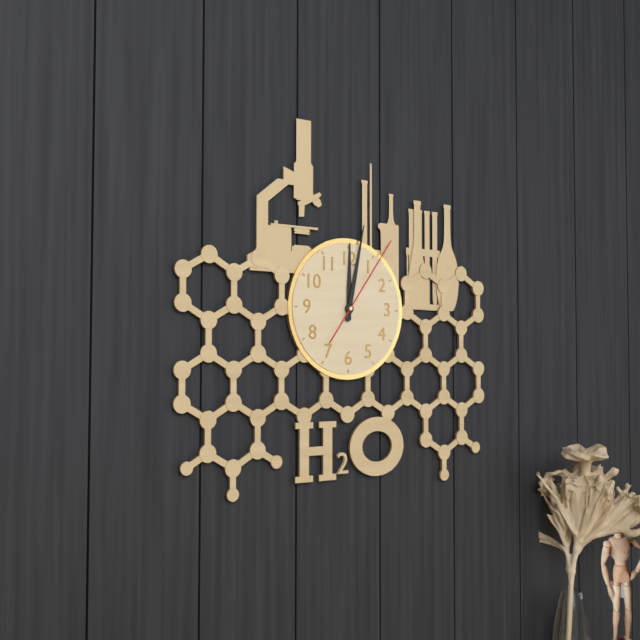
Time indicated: 12:02:06
